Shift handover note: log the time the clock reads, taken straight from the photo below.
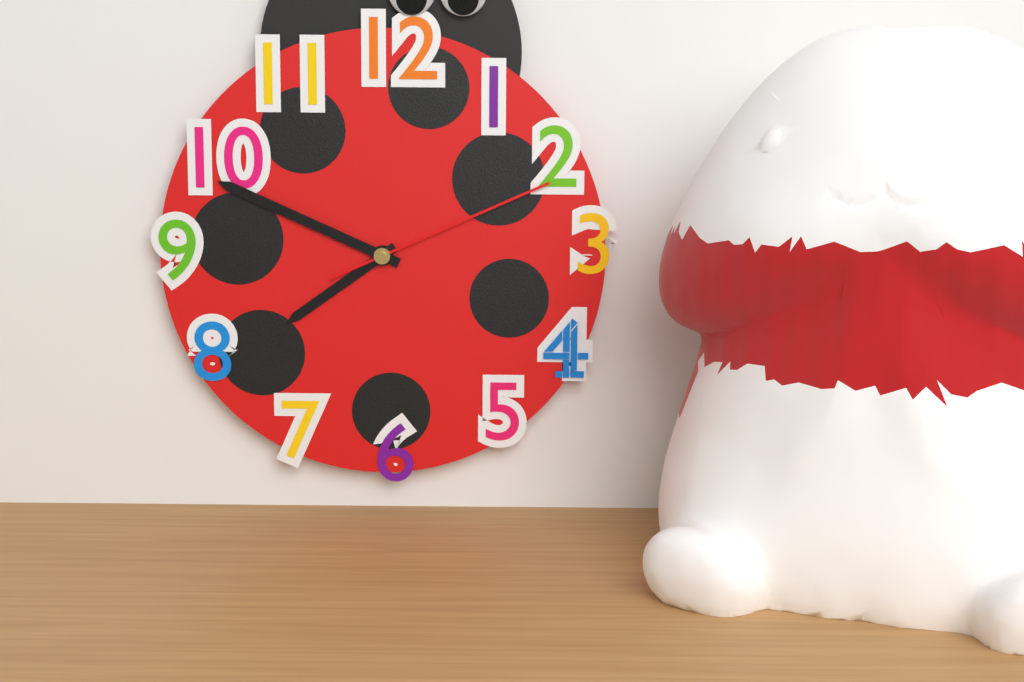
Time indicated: 7:49:11
